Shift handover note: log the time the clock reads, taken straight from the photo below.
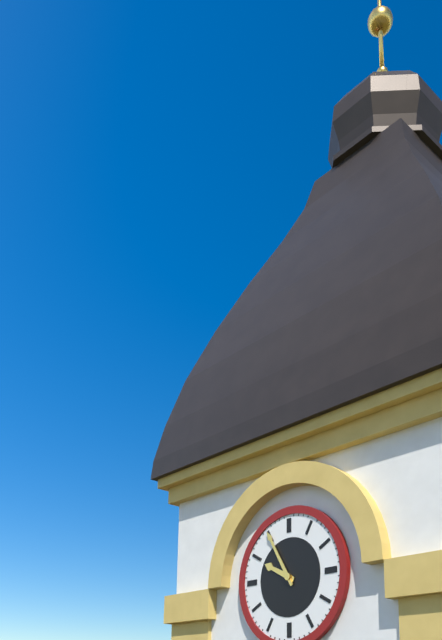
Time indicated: 9:55
